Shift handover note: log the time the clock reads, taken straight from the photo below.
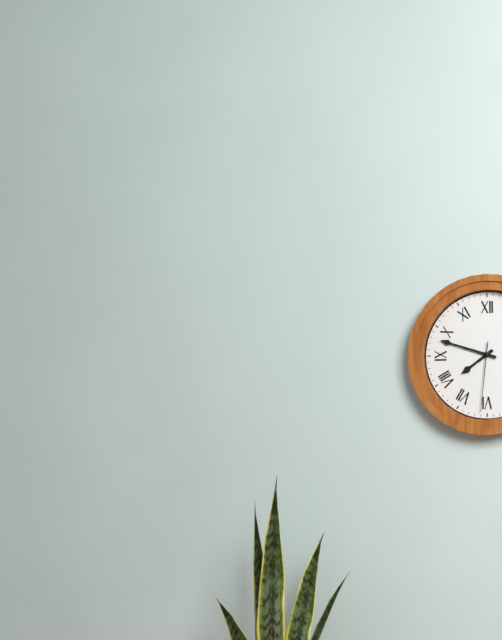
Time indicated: 7:48:31
